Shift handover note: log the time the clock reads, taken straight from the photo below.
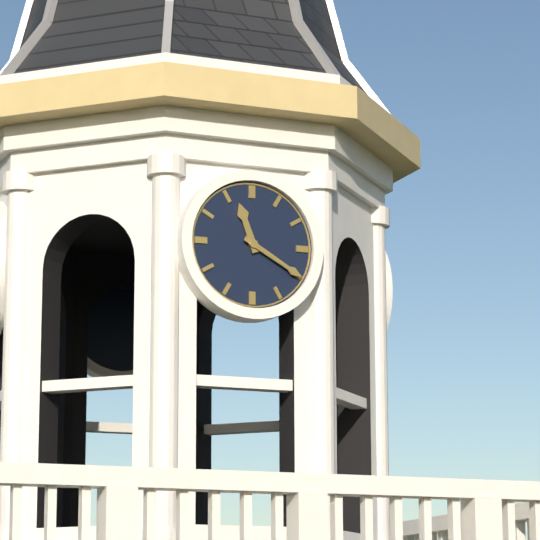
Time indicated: 11:20
